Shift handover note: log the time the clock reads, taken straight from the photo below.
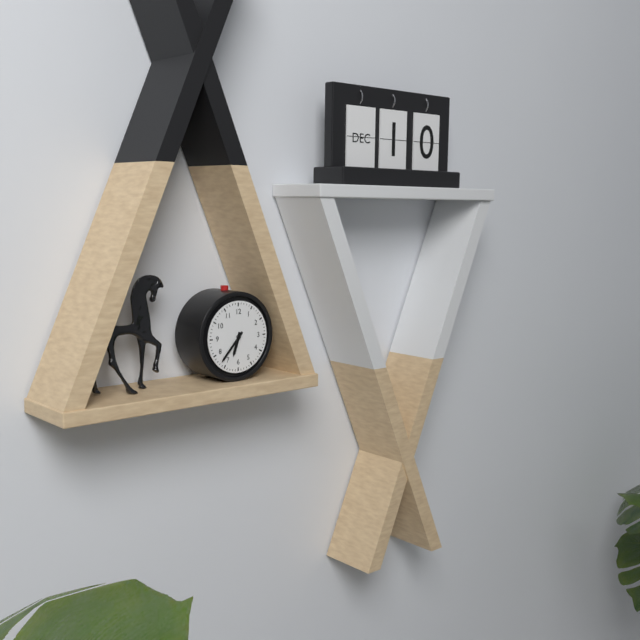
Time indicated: 6:37
